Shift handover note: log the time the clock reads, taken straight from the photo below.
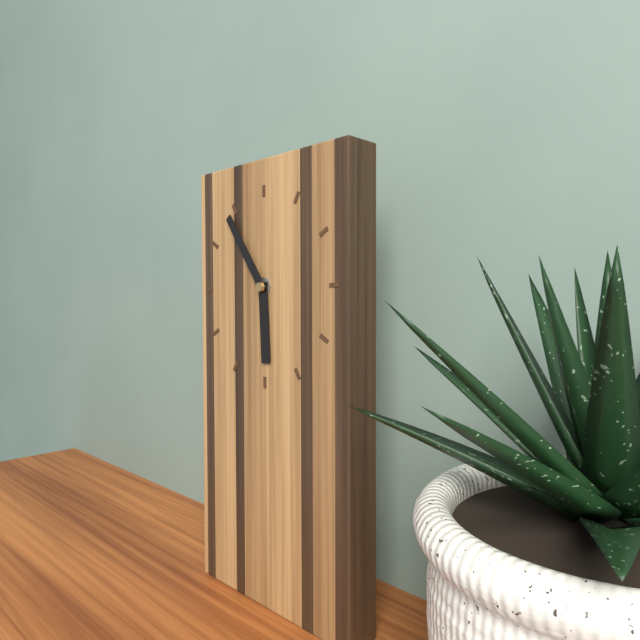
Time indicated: 5:54
